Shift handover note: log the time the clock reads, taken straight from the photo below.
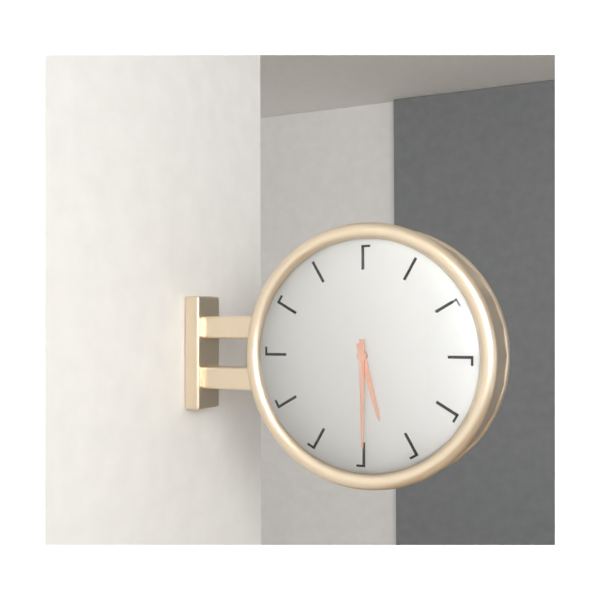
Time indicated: 5:30
